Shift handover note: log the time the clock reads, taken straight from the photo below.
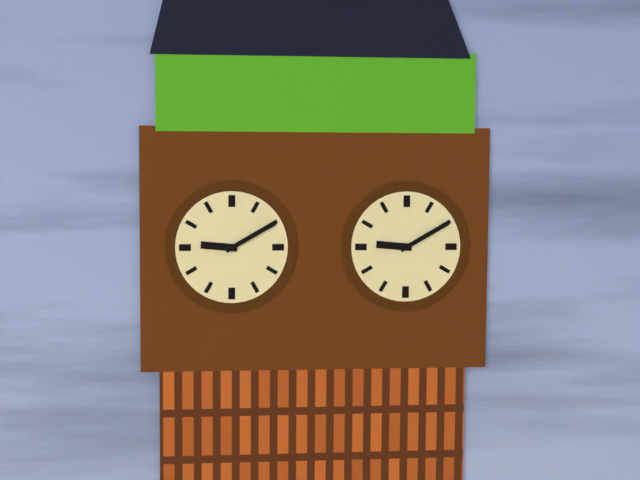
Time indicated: 9:10
